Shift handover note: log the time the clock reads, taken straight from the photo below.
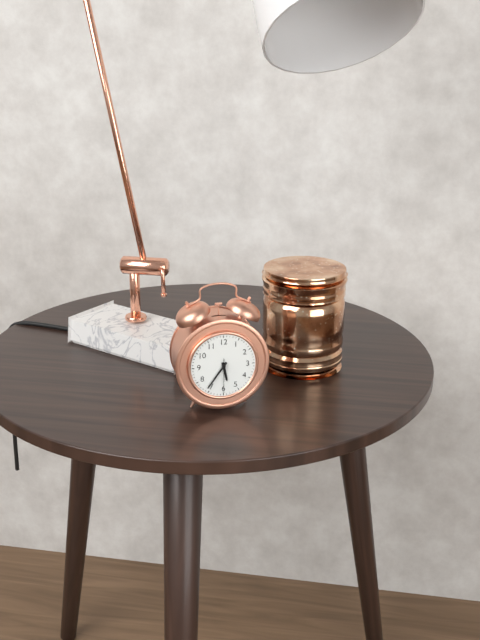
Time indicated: 5:36
